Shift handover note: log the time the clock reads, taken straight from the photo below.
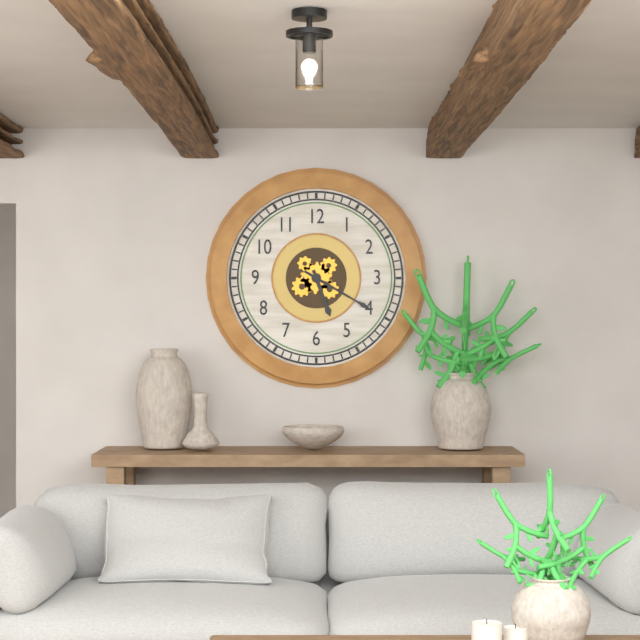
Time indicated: 5:20
